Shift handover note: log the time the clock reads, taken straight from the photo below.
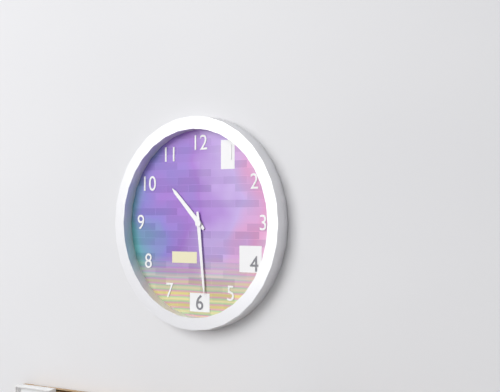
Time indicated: 10:29
